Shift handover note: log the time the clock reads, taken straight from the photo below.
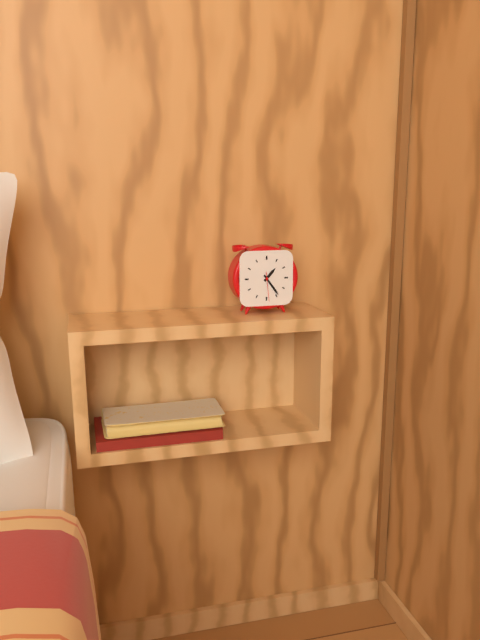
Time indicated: 1:24
